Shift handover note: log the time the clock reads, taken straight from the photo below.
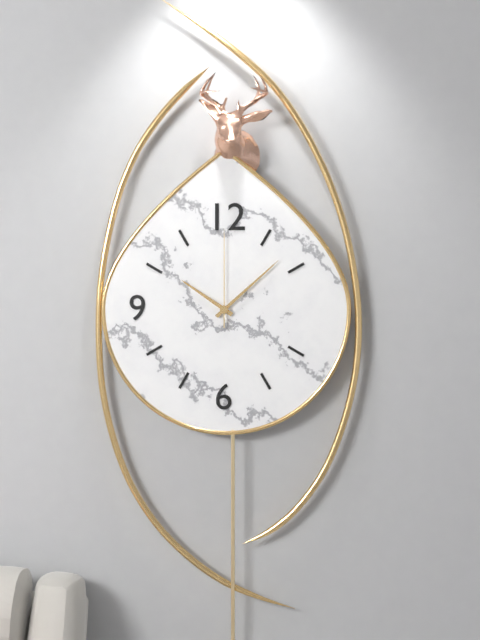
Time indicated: 10:08:00
